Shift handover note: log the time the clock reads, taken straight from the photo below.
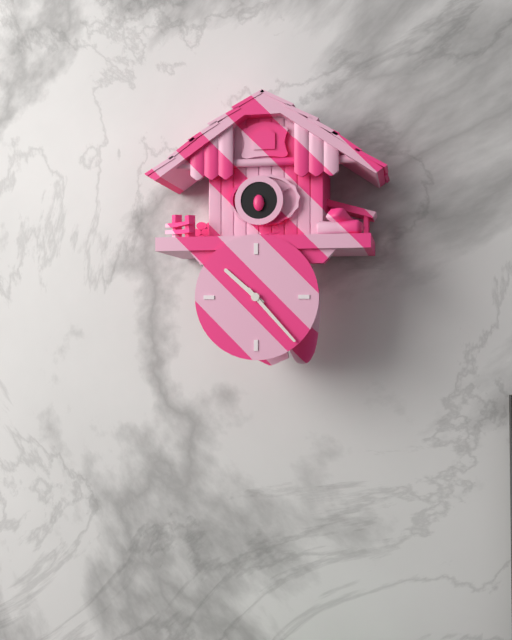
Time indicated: 10:23
